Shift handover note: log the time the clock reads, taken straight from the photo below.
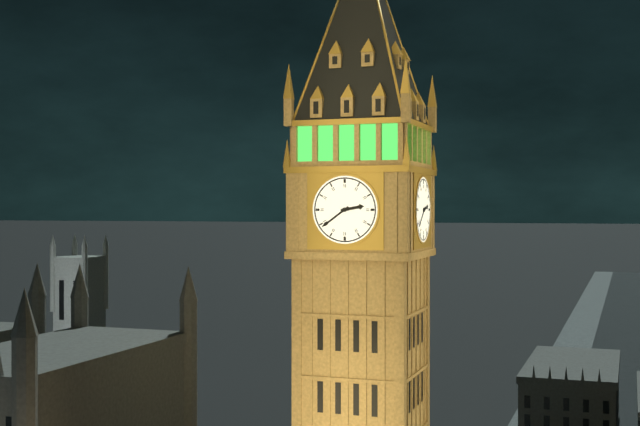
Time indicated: 2:39
